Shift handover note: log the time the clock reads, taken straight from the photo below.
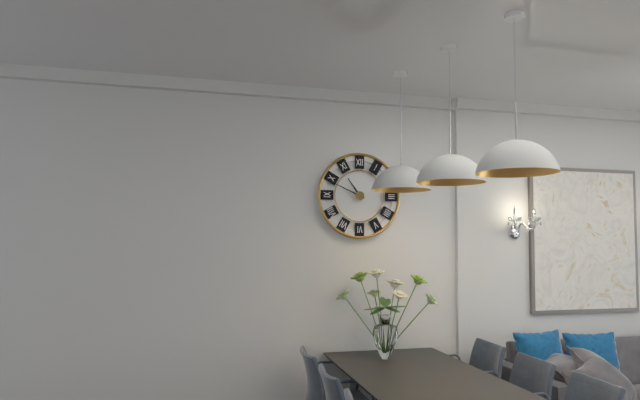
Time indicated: 10:49
